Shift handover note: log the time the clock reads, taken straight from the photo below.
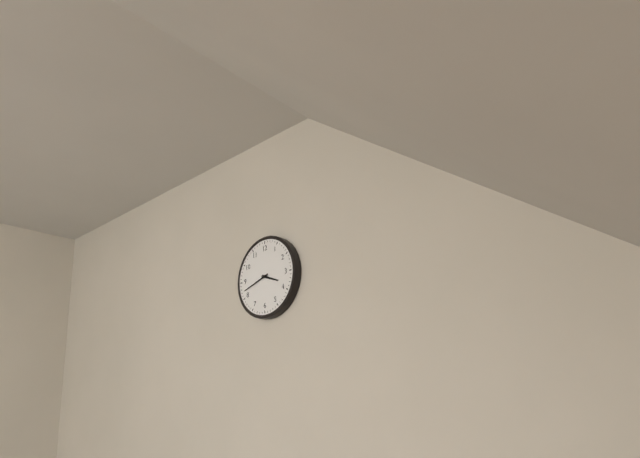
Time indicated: 3:42
